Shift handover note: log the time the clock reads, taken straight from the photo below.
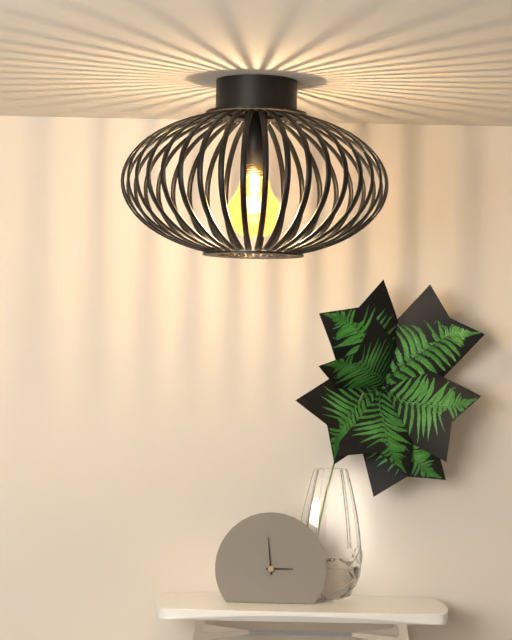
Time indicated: 2:59
